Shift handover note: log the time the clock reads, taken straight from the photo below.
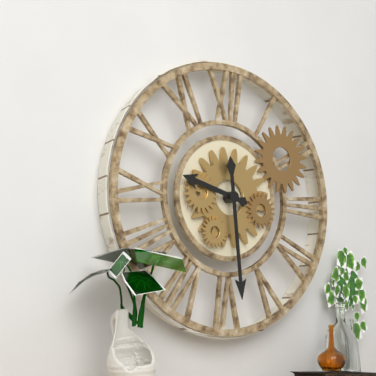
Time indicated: 9:29
